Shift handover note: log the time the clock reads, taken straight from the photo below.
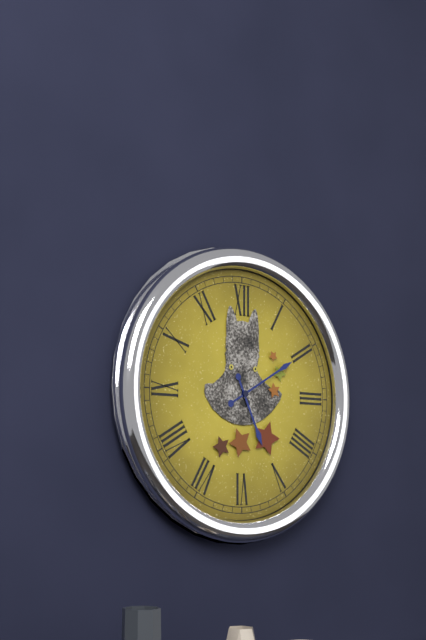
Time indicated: 5:10
